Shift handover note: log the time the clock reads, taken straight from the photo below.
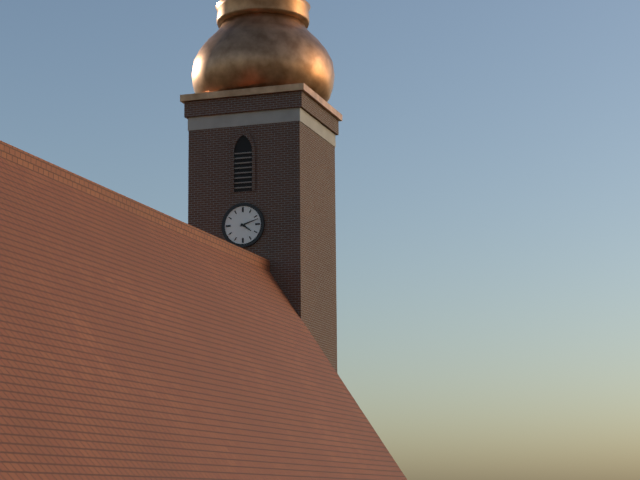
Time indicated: 4:12
